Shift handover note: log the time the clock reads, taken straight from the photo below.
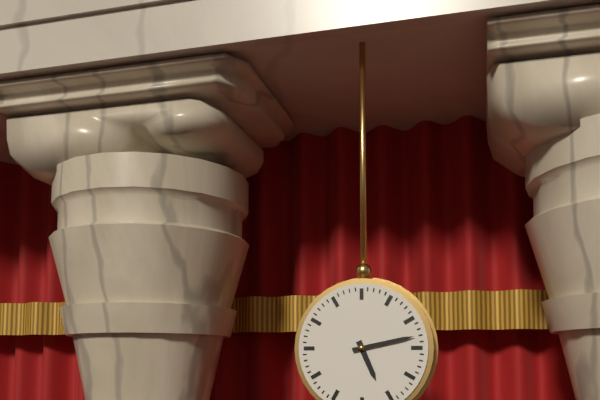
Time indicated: 5:13
